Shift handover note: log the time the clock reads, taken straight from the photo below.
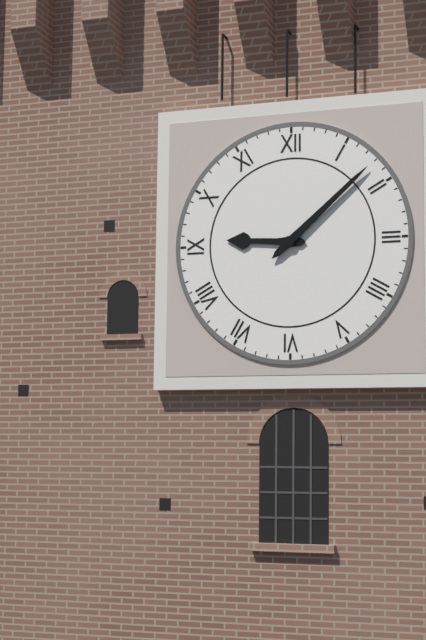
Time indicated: 9:08
